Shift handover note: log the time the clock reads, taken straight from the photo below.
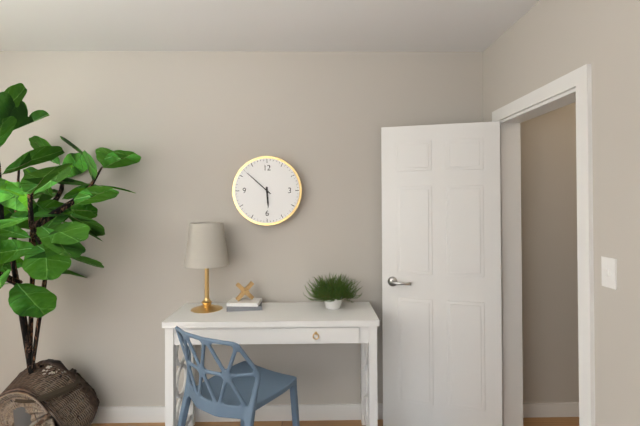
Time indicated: 5:52
